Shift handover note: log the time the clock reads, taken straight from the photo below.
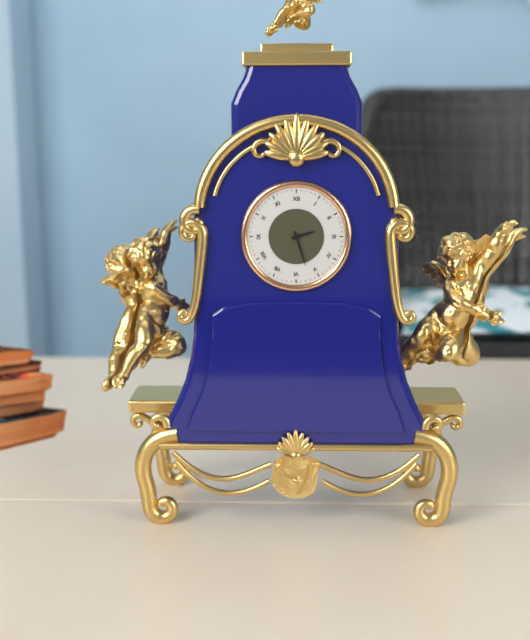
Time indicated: 2:27
